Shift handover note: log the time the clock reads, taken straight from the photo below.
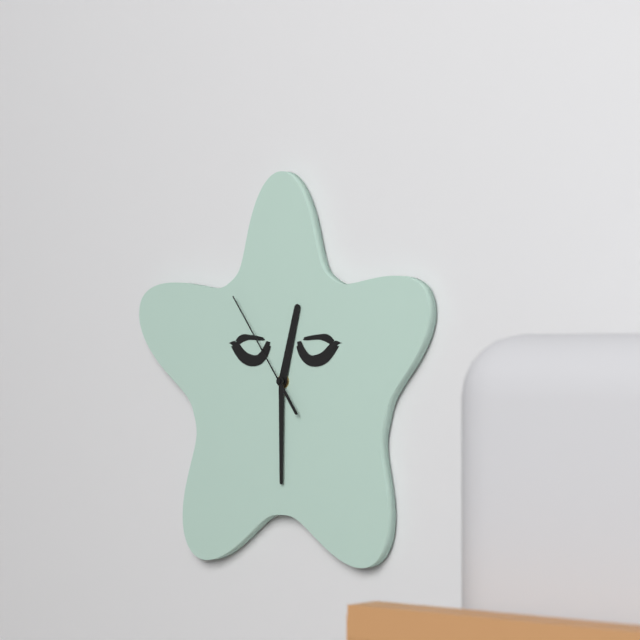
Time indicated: 12:30:54
